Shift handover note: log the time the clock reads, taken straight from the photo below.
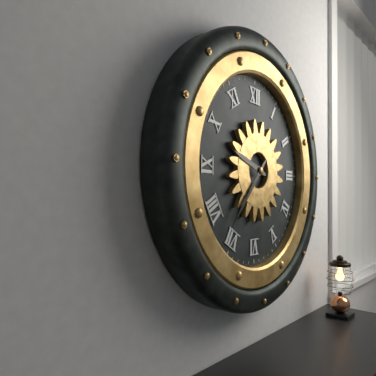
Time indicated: 9:37
